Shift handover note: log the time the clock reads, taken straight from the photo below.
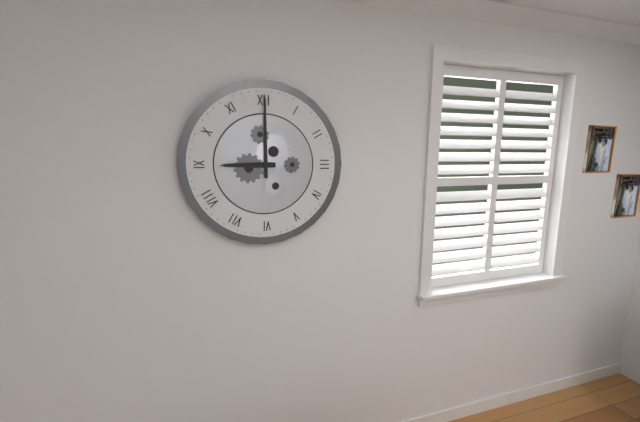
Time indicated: 9:00
